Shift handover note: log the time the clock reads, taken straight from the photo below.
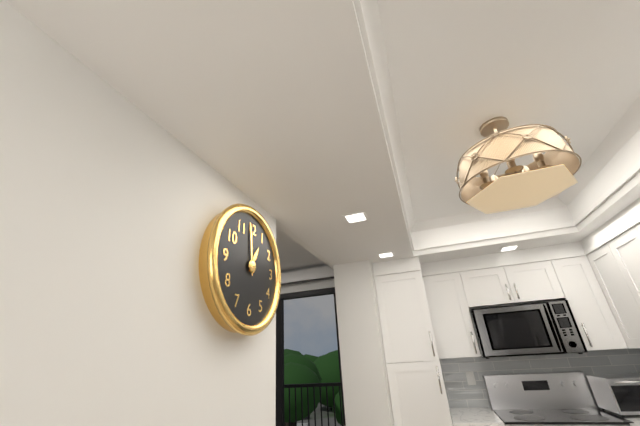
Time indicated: 12:59
